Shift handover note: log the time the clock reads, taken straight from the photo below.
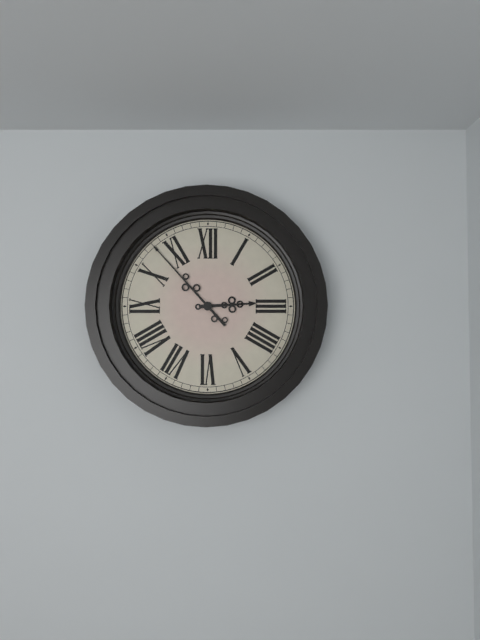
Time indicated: 2:53
